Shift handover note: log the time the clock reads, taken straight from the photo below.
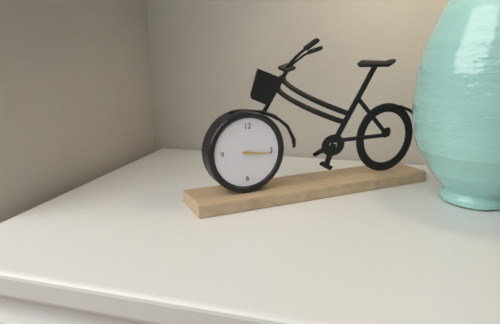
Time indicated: 3:16
